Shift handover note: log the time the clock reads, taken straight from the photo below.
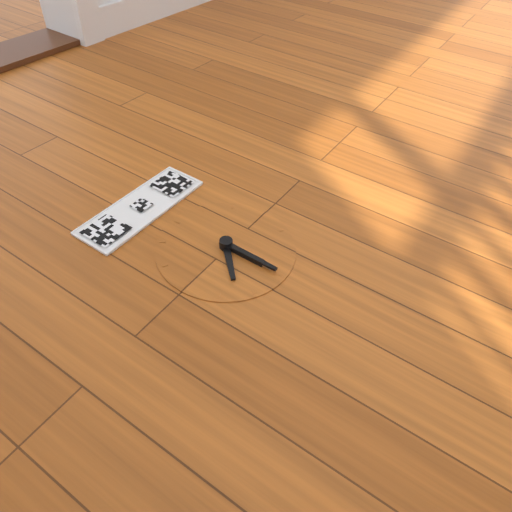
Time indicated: 7:30
